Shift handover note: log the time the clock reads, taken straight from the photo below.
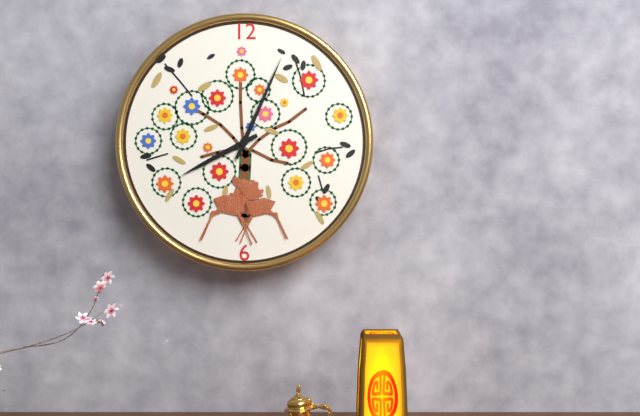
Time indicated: 8:04
